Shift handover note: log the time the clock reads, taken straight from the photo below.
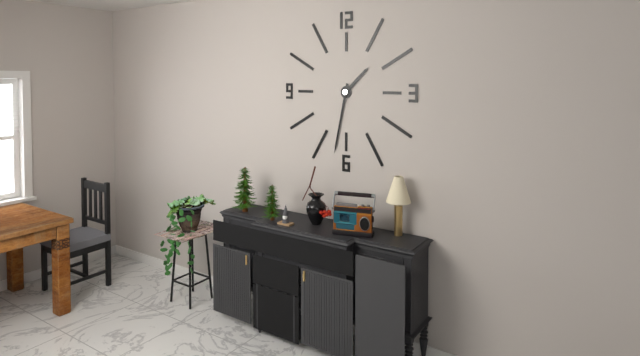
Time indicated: 1:32
